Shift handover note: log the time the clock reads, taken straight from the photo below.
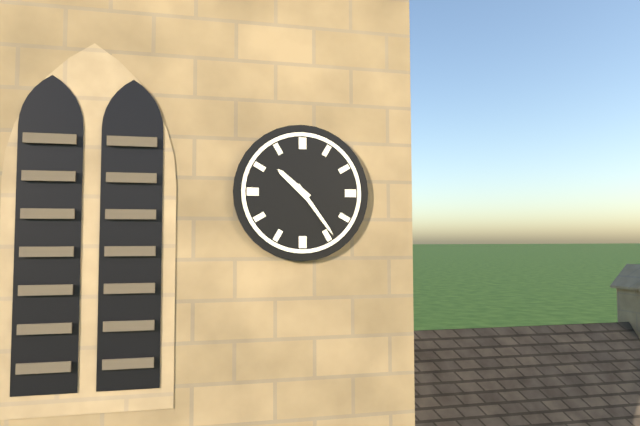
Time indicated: 10:24
